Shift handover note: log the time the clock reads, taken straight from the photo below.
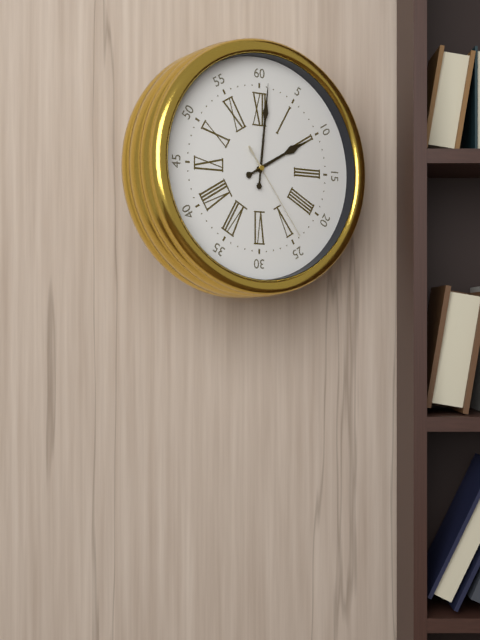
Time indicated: 2:01:24
